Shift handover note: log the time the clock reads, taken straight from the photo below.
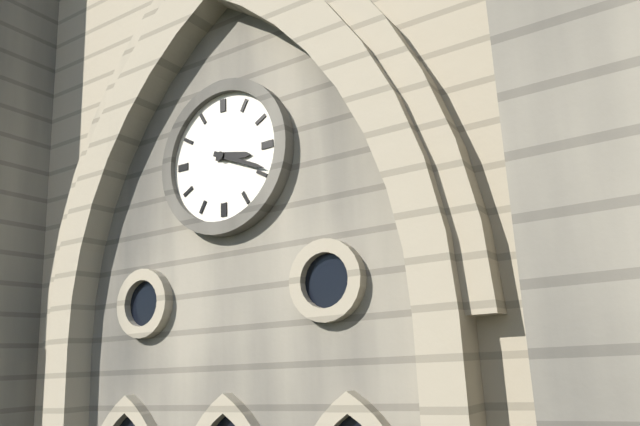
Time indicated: 3:19
